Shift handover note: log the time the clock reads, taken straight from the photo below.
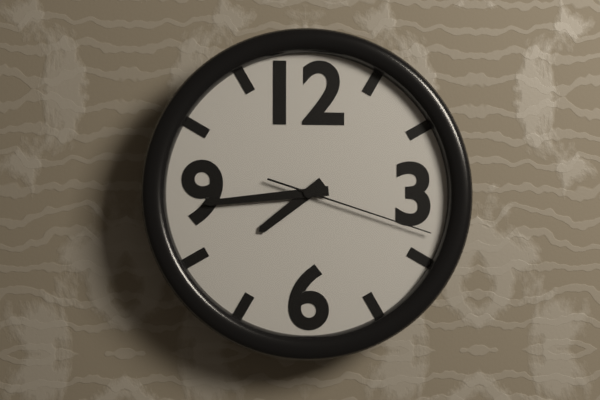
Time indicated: 7:44:18
